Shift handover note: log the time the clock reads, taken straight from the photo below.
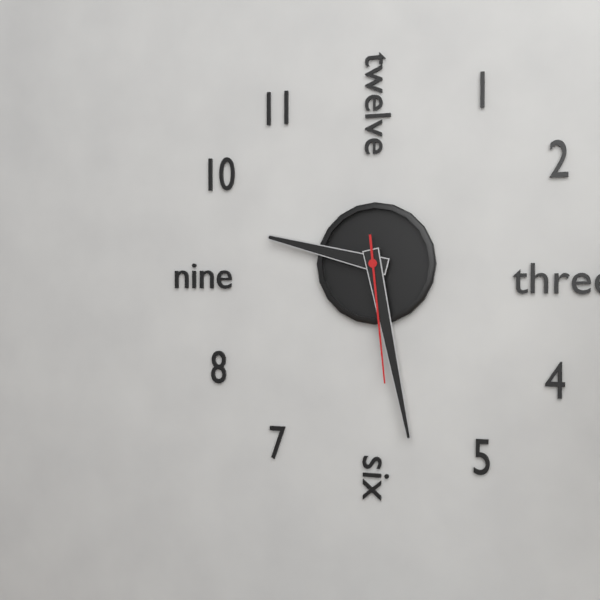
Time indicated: 9:28:29
